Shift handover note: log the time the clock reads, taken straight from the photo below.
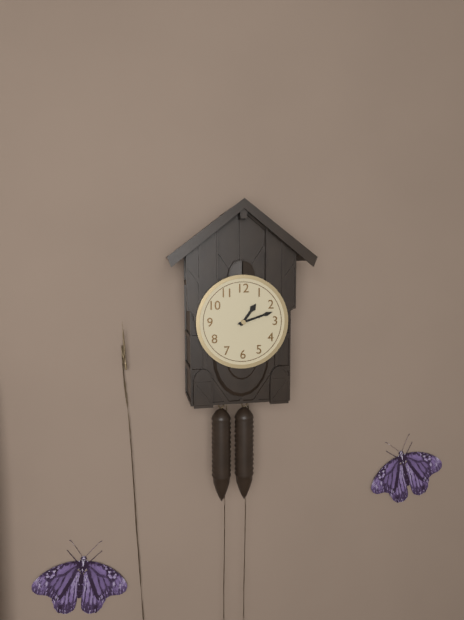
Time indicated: 1:12
